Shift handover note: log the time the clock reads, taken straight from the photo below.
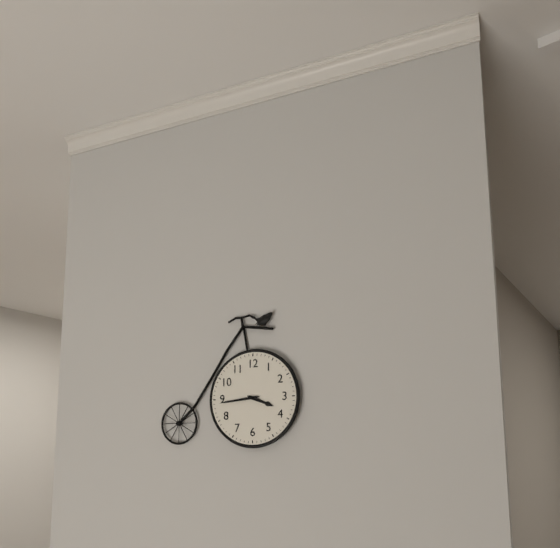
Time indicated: 3:44
